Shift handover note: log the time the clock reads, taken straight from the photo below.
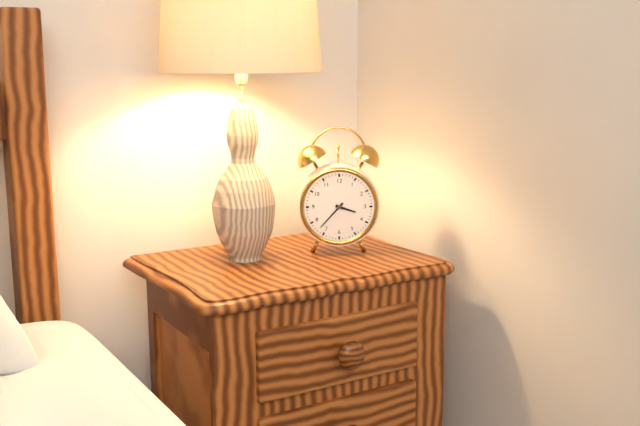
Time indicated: 3:37
